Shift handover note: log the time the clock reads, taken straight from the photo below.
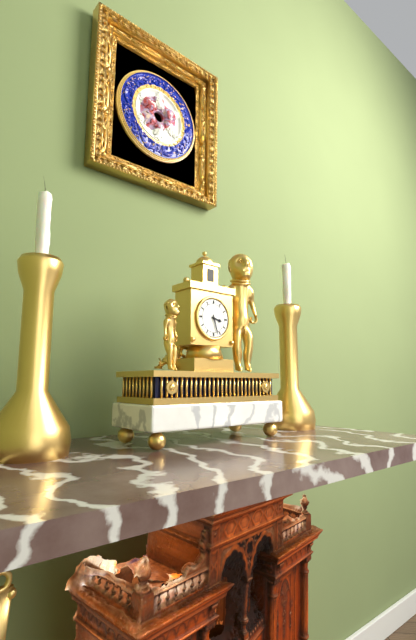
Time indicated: 3:27
